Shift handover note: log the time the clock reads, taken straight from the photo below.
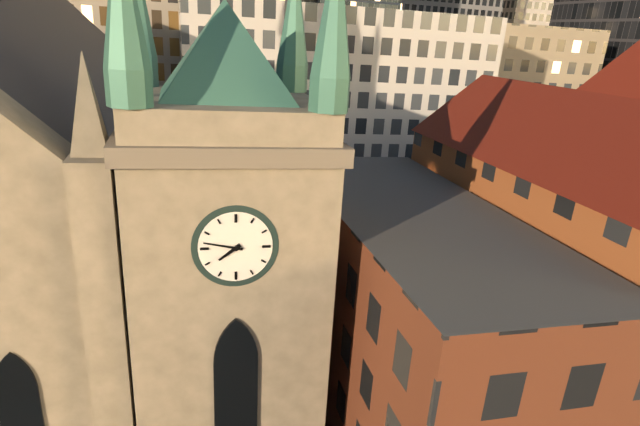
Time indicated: 7:47
